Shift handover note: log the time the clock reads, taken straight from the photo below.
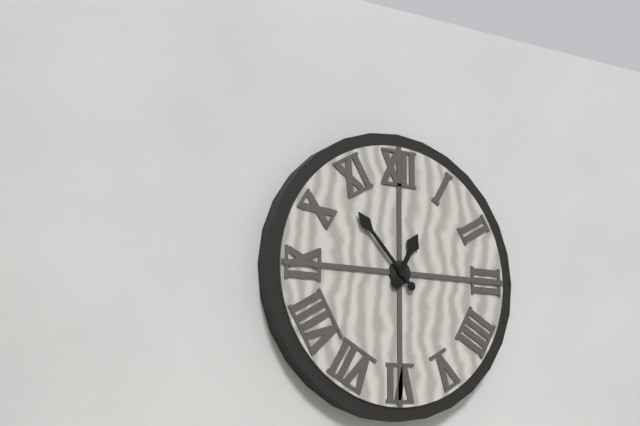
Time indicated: 12:53
